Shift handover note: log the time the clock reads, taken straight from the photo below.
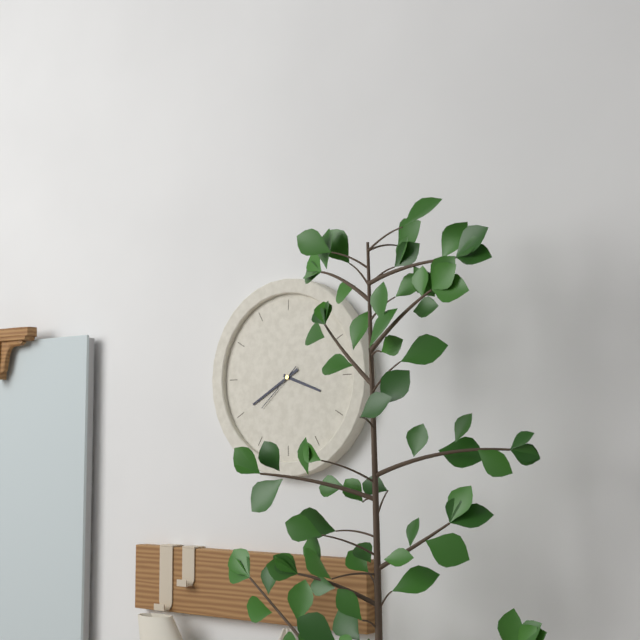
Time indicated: 3:40:38
